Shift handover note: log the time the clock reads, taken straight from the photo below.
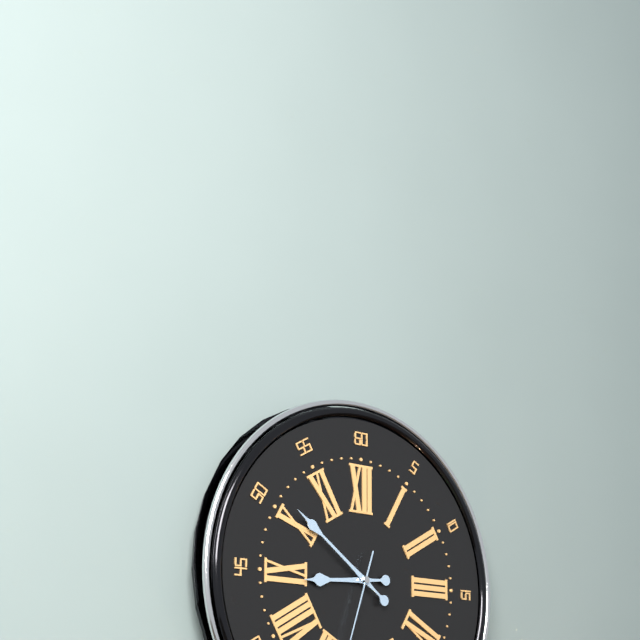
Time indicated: 8:51
